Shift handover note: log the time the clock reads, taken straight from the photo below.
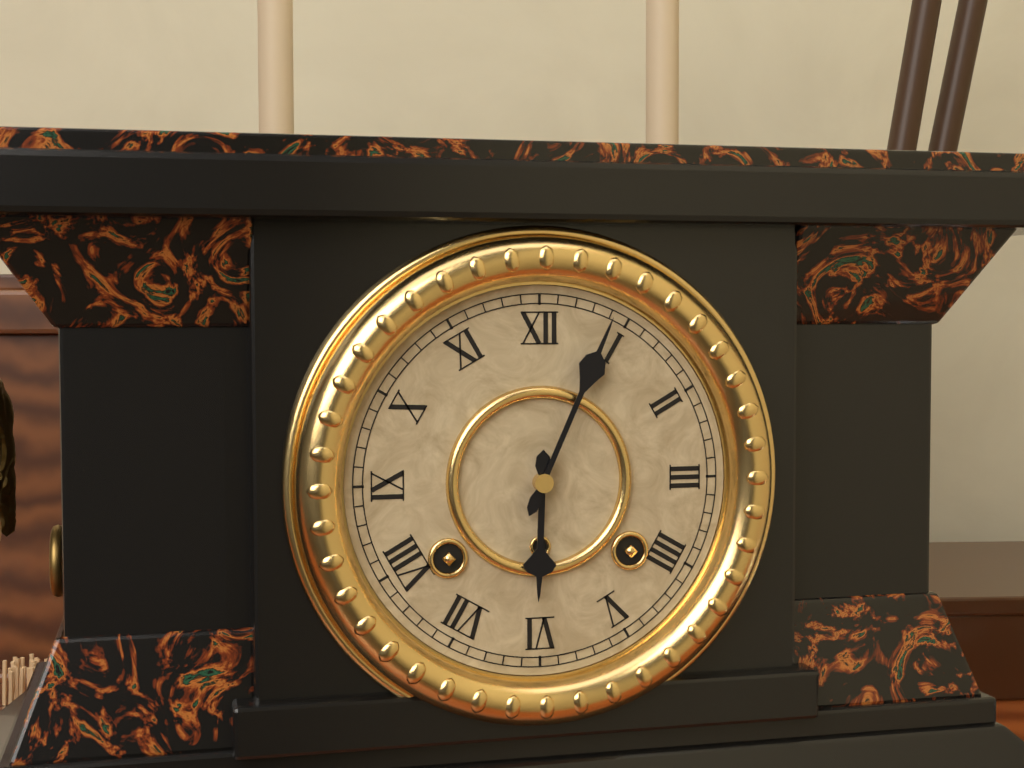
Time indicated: 6:04
